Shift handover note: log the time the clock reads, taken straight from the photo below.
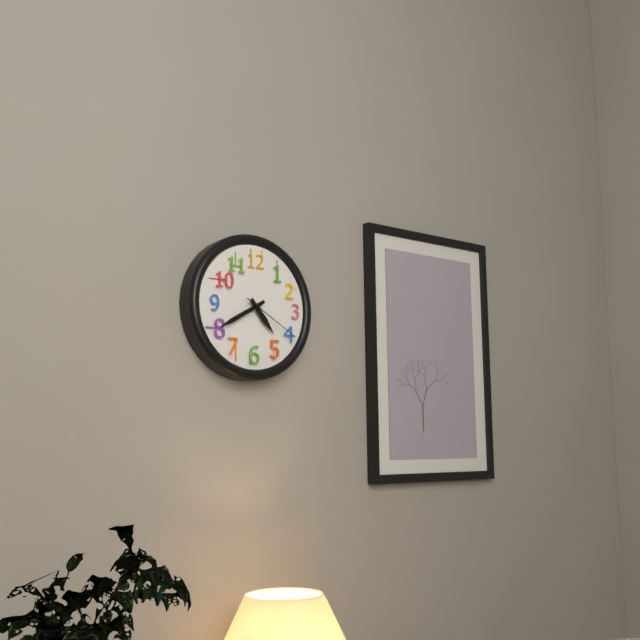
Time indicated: 4:40:20
